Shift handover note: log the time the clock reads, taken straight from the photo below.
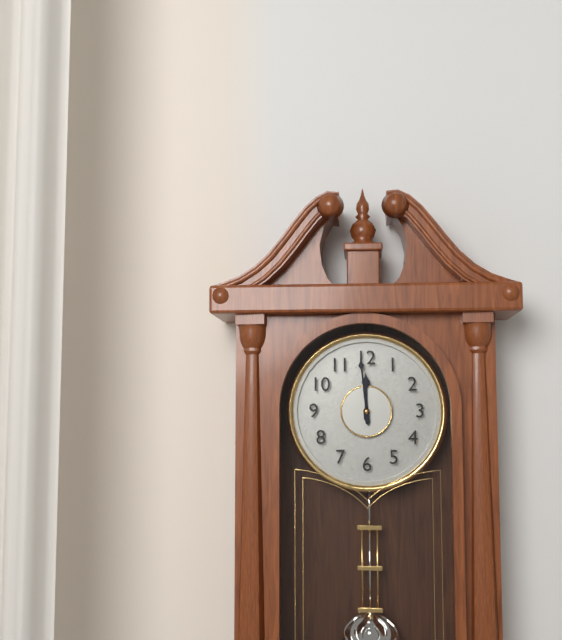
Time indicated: 11:59
